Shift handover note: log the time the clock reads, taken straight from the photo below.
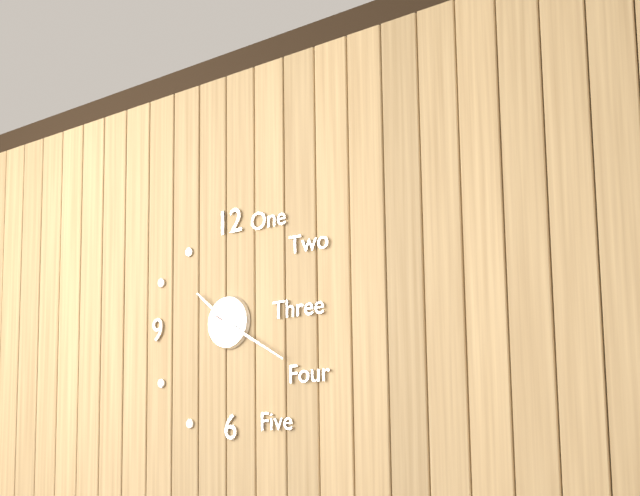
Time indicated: 10:20
